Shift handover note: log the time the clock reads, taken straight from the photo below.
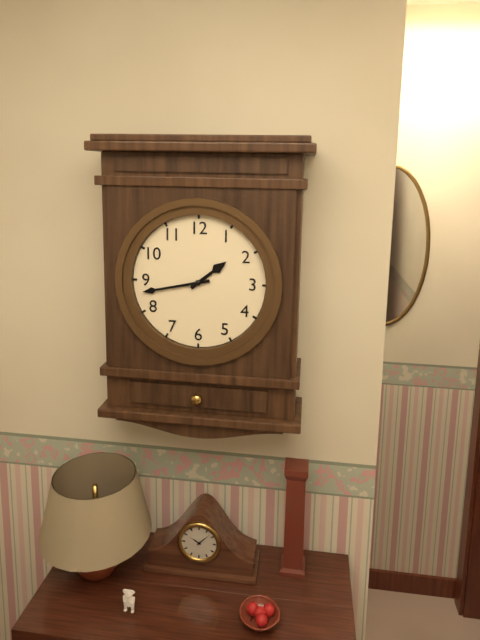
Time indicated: 1:43
